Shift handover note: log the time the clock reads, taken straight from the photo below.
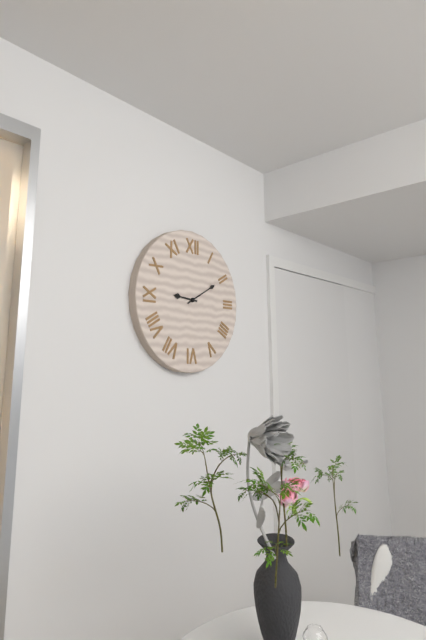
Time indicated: 9:10
